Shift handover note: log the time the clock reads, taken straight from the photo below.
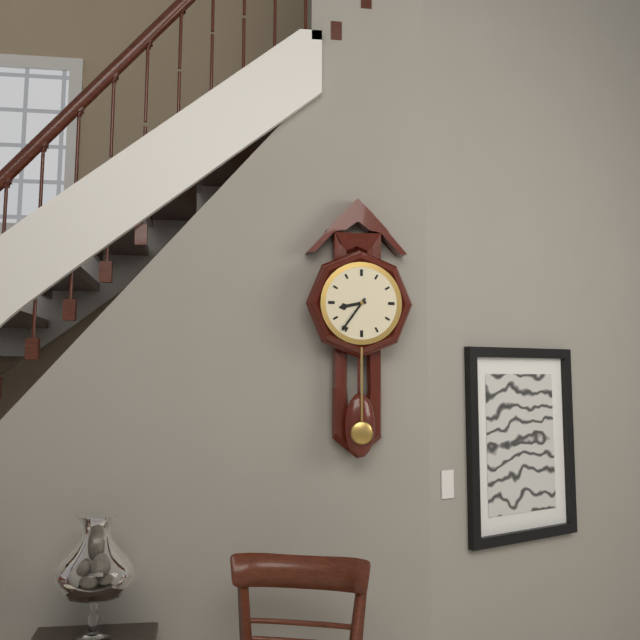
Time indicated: 8:36
